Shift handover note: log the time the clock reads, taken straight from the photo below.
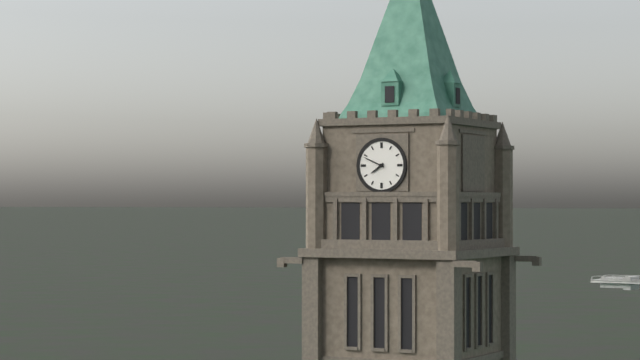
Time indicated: 7:49
